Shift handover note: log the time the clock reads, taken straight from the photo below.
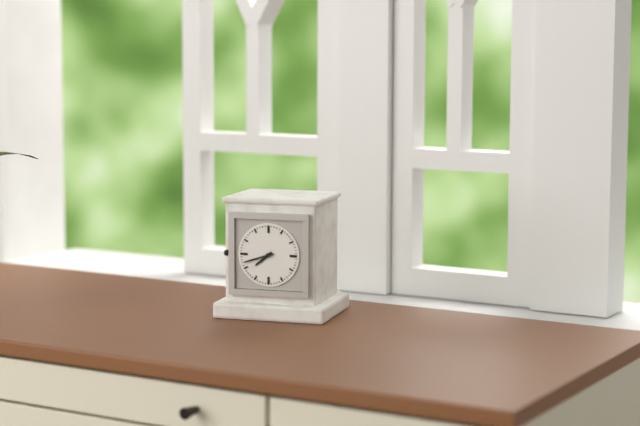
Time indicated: 7:42
